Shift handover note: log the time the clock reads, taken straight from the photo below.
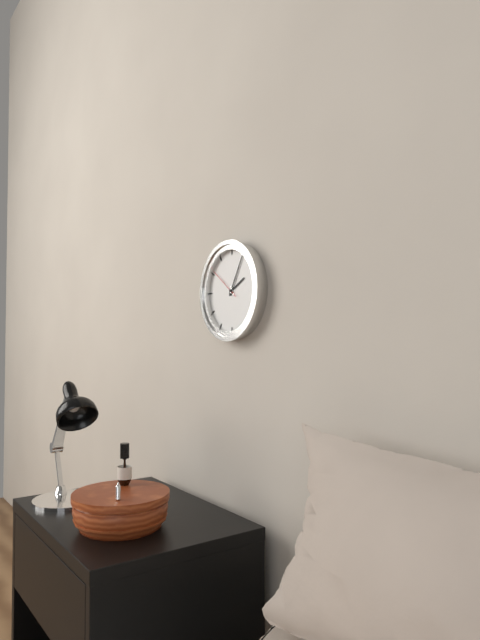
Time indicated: 2:05
